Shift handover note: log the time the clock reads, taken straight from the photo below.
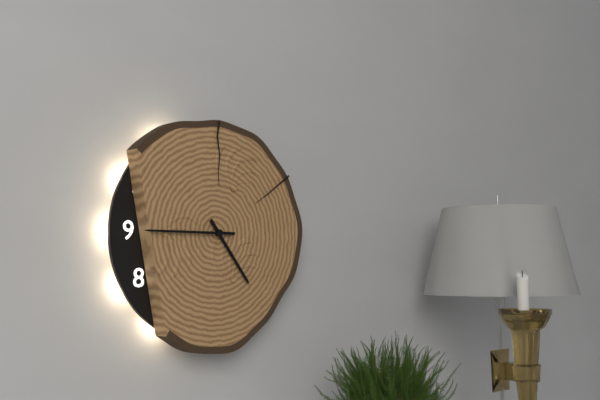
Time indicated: 4:45
